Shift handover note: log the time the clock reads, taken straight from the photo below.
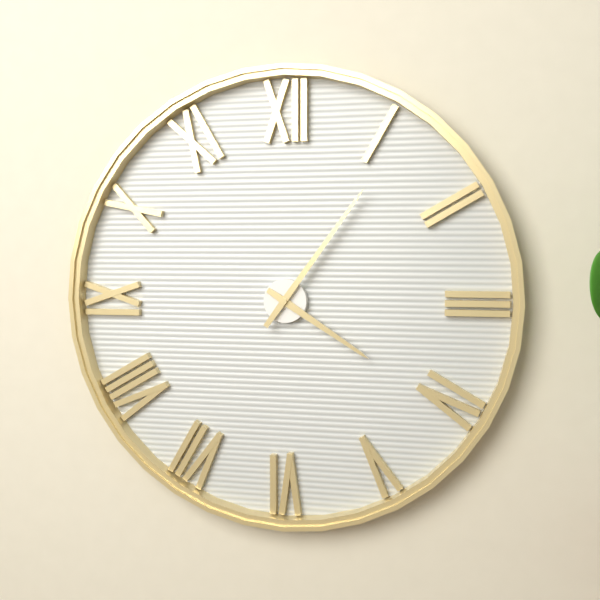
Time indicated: 4:06
